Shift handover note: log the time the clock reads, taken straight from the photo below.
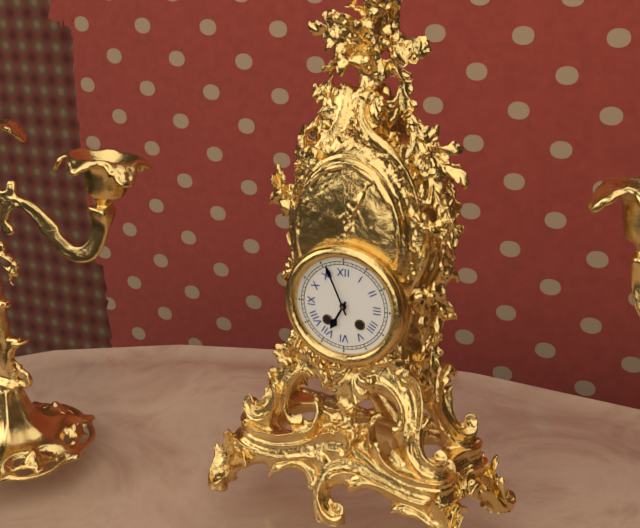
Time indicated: 6:56
